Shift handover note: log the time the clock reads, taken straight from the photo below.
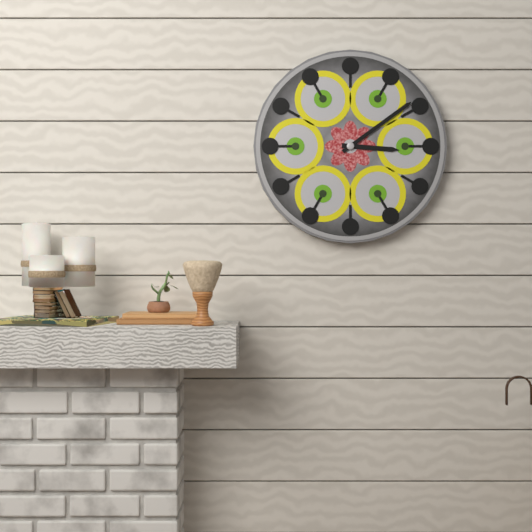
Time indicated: 3:09
